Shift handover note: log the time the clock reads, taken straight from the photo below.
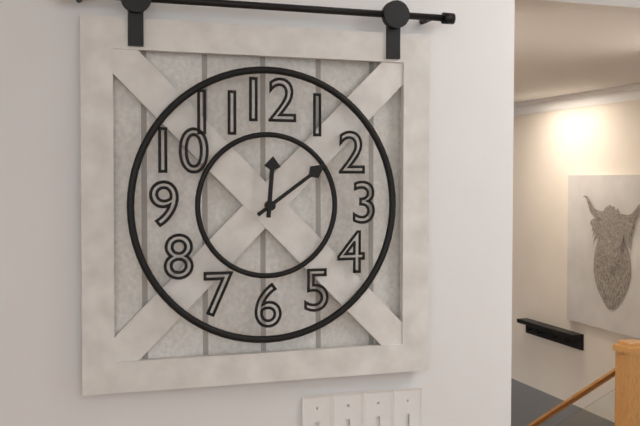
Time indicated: 12:09
